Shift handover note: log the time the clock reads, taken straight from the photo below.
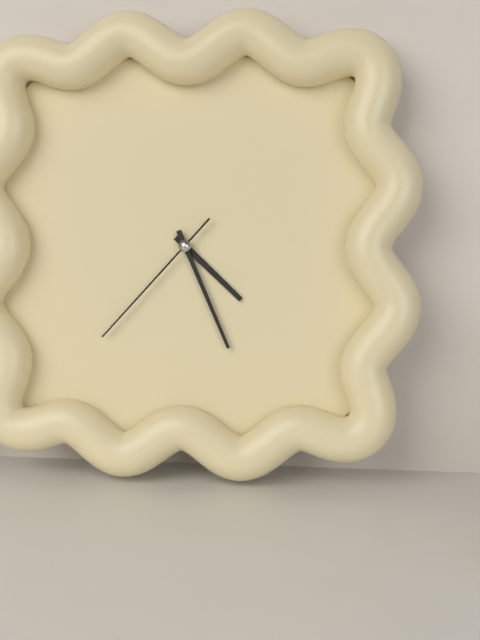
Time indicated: 4:26:37
